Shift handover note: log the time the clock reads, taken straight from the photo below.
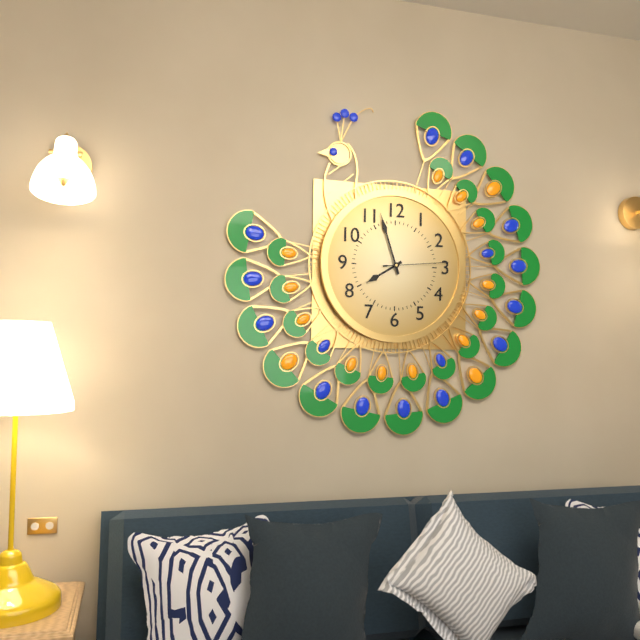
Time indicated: 7:57:14
